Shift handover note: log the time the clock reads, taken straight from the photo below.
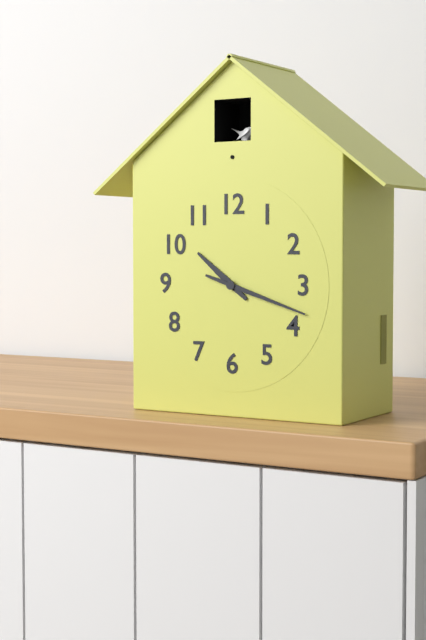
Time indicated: 10:18
